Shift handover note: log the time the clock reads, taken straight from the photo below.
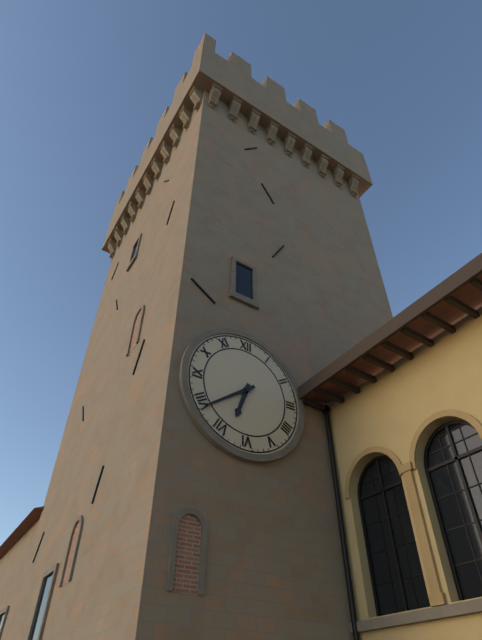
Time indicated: 6:39
